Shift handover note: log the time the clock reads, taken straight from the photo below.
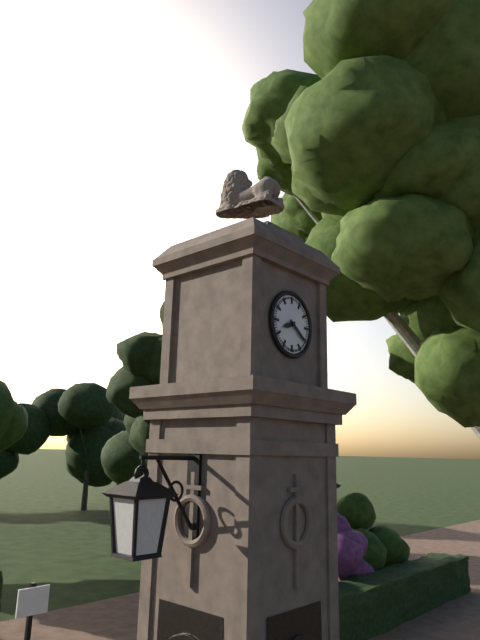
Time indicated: 8:21
